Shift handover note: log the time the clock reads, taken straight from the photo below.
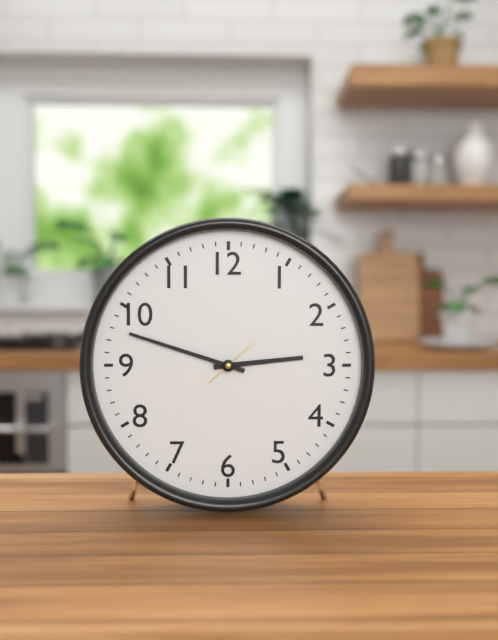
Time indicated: 2:48
